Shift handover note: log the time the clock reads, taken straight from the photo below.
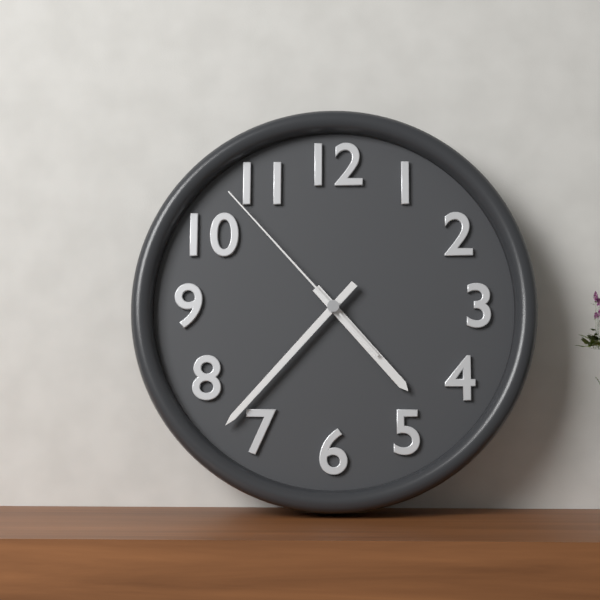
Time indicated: 4:37:53
